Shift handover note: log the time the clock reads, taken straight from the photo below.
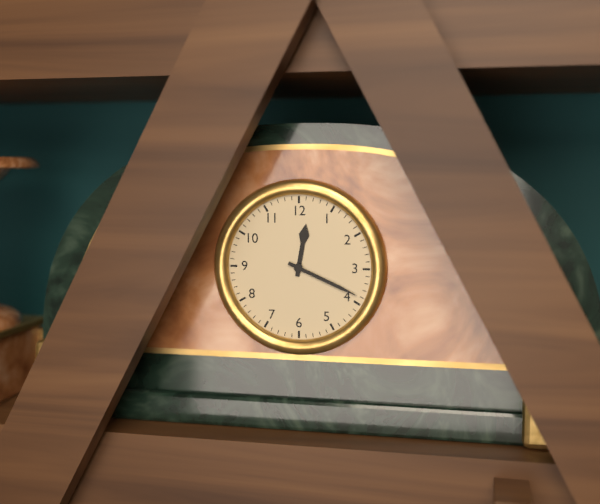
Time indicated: 12:19
